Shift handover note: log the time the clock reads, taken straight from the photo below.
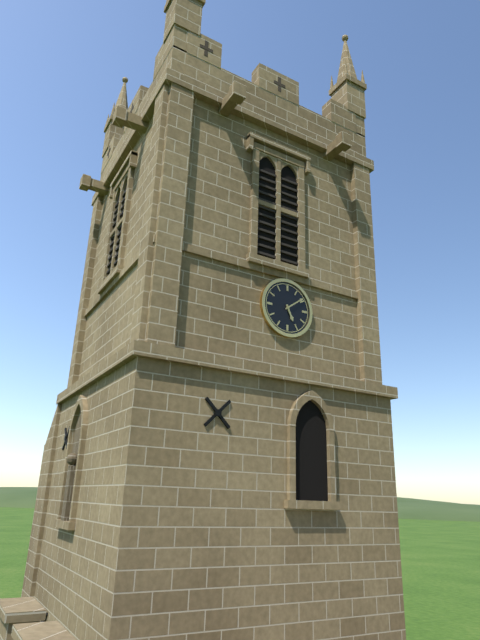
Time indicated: 5:09
